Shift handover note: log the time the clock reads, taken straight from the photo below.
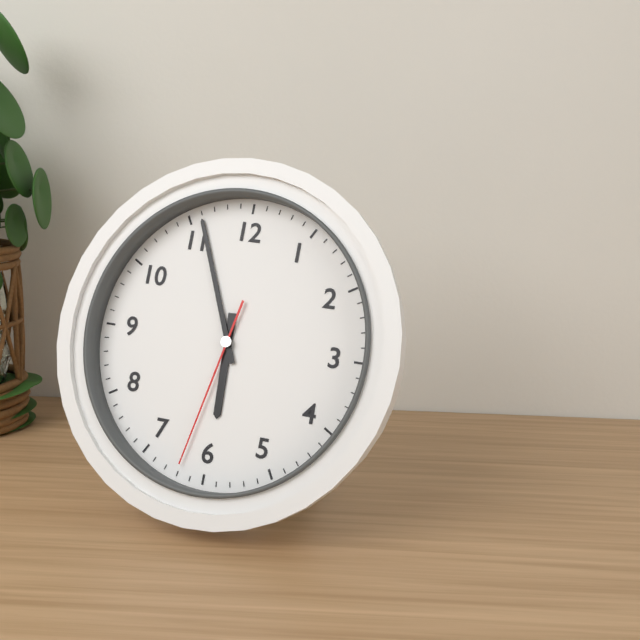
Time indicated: 5:56:32
